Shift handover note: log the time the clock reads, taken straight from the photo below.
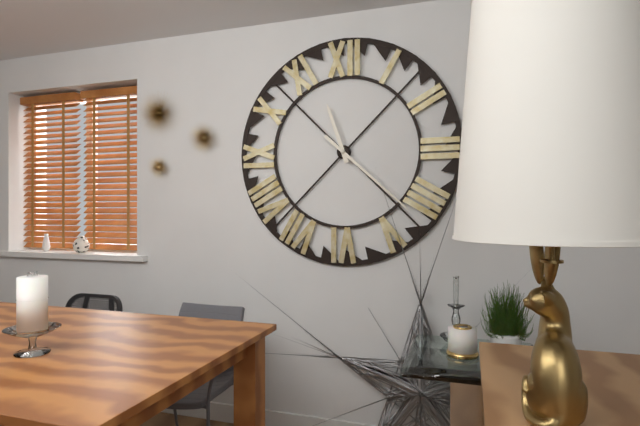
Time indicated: 11:22
